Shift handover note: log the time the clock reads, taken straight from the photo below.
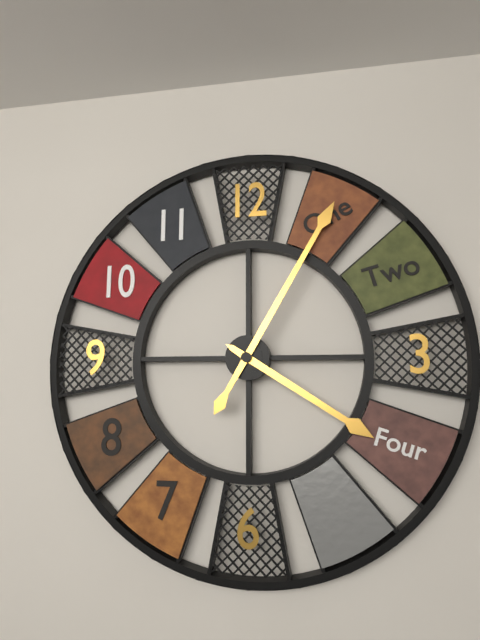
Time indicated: 4:05
